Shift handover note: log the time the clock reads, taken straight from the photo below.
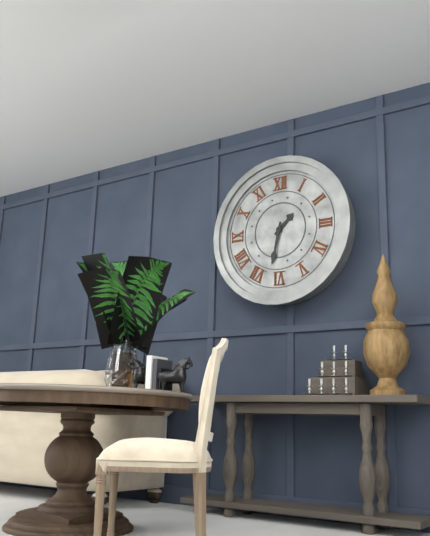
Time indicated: 1:32
